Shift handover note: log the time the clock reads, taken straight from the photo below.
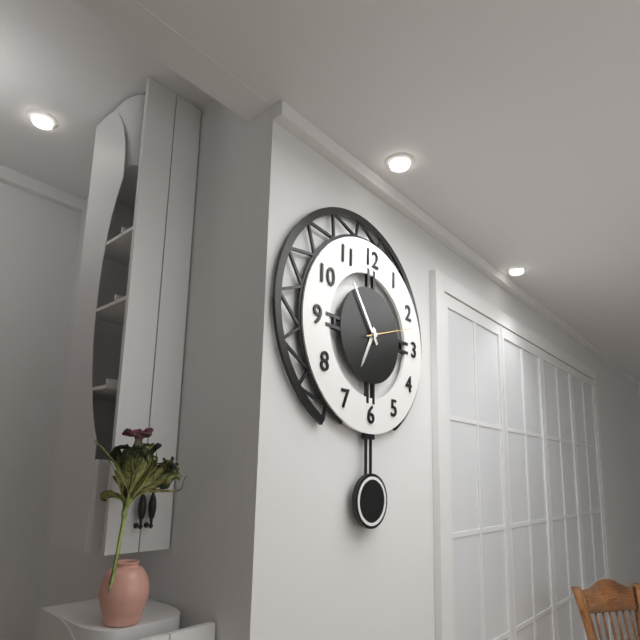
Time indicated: 6:54:12
